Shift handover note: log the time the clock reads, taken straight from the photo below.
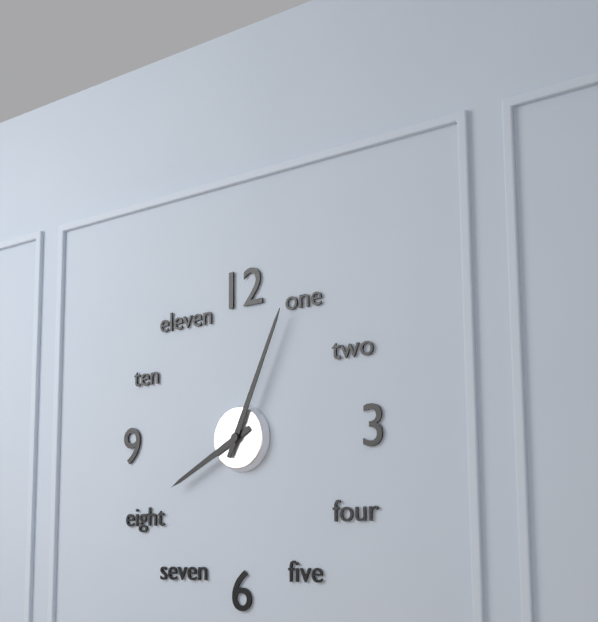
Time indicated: 8:04
